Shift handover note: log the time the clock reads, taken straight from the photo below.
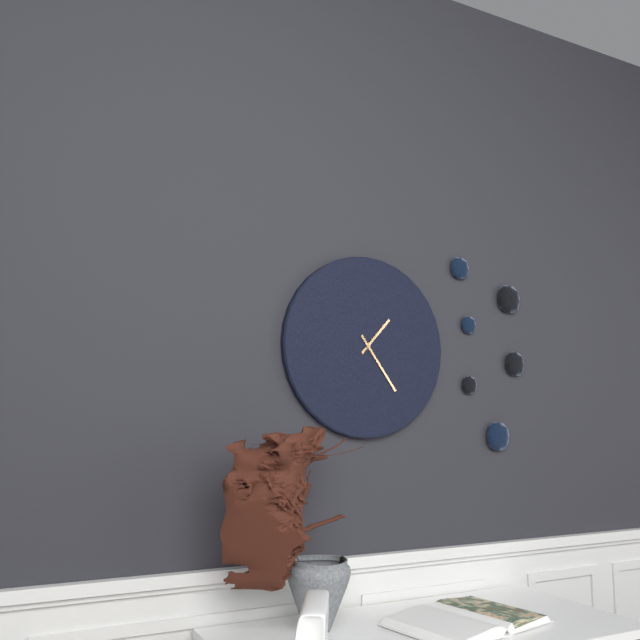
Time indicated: 1:24
